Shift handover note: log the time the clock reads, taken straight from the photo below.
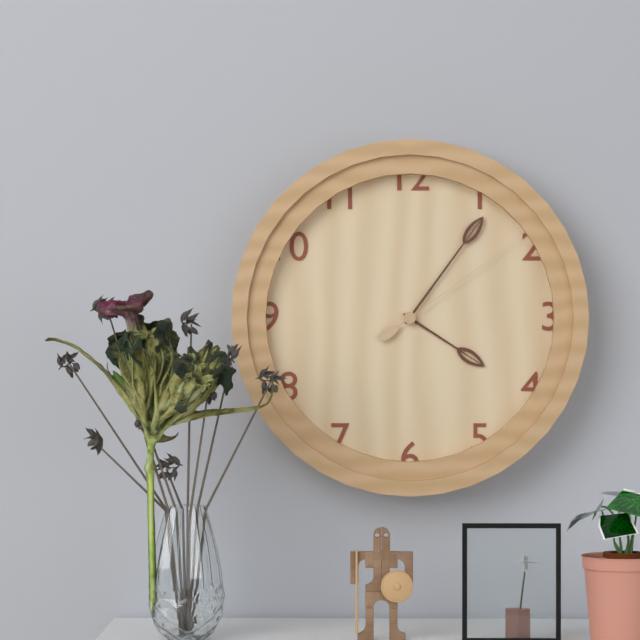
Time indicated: 4:06:09
